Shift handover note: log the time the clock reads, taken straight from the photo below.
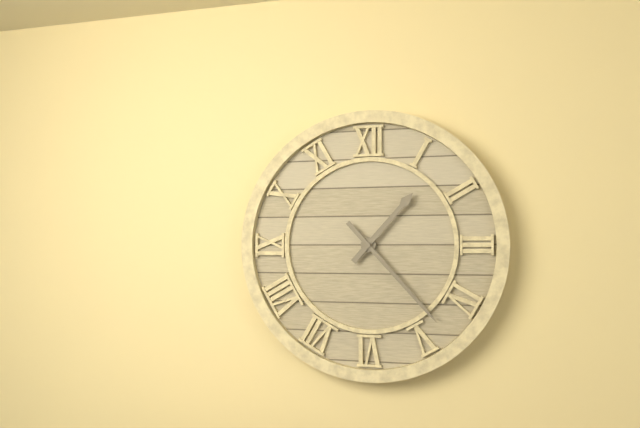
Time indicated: 1:23
